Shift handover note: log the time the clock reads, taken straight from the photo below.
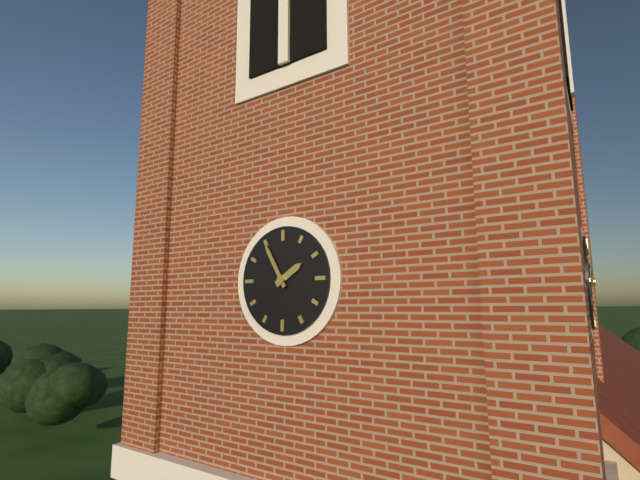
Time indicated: 1:55
